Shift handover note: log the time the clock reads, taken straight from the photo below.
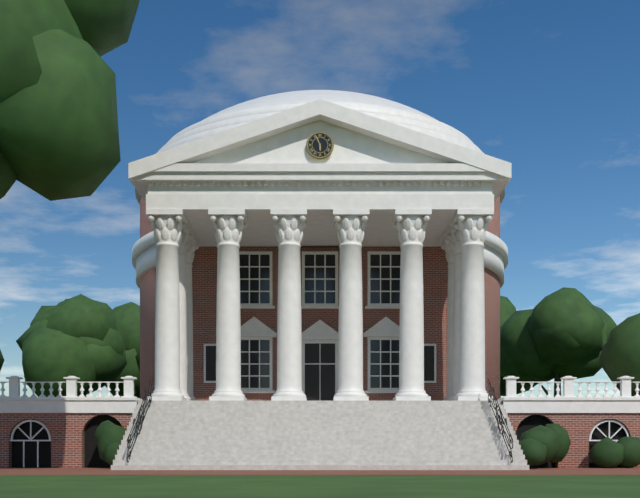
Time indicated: 5:56
